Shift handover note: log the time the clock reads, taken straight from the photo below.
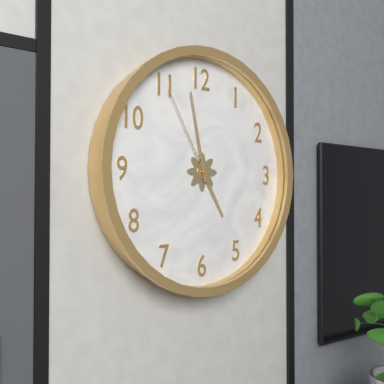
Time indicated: 4:58:55
